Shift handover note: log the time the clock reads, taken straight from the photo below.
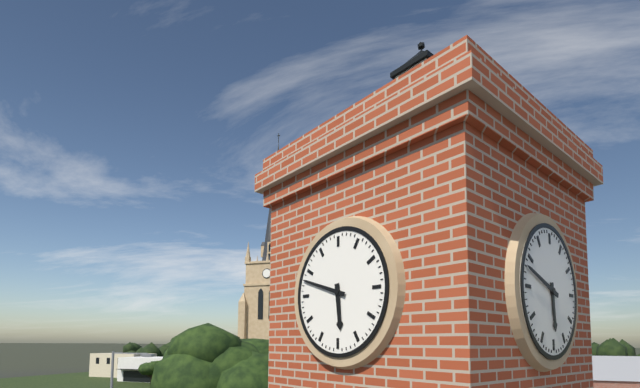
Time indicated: 5:48
